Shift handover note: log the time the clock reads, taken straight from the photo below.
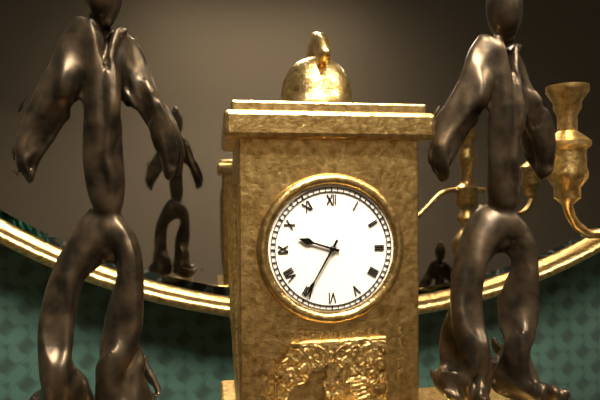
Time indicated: 9:35
